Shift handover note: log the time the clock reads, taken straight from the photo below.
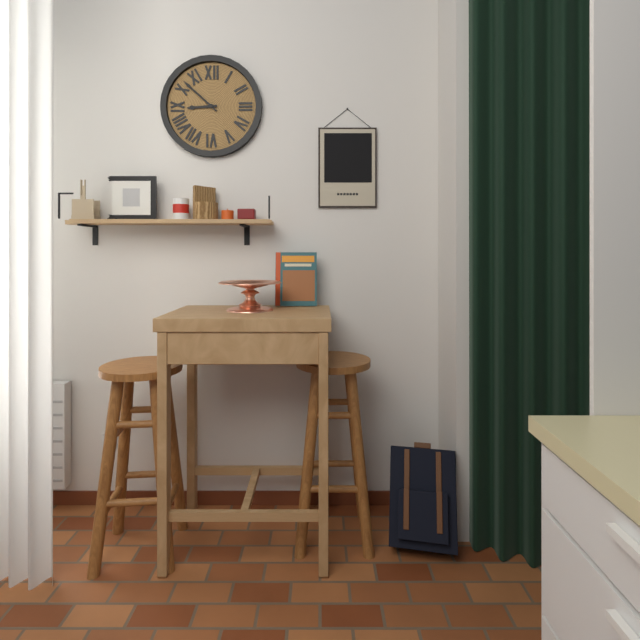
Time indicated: 8:52
